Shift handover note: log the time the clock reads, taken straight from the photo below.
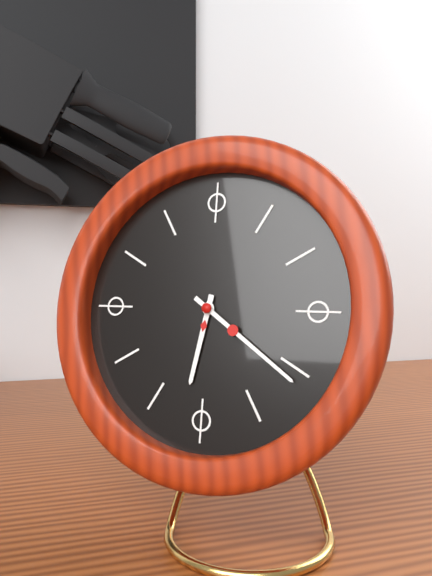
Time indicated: 6:21
